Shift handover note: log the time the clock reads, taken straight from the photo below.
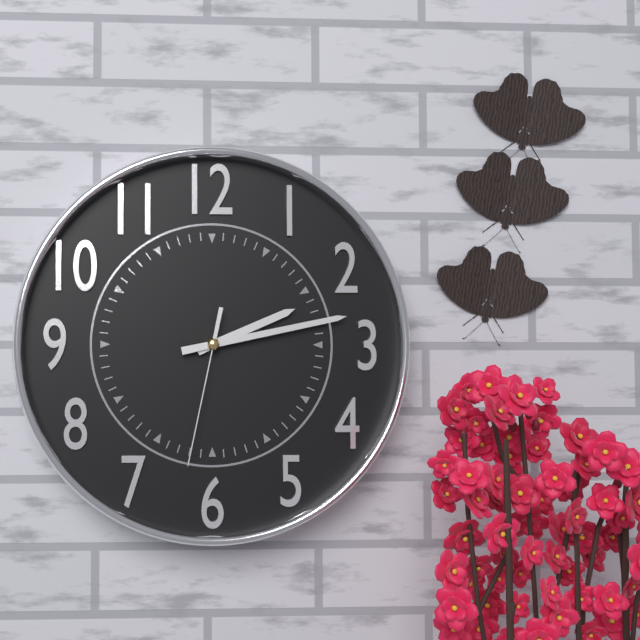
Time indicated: 2:13:32
